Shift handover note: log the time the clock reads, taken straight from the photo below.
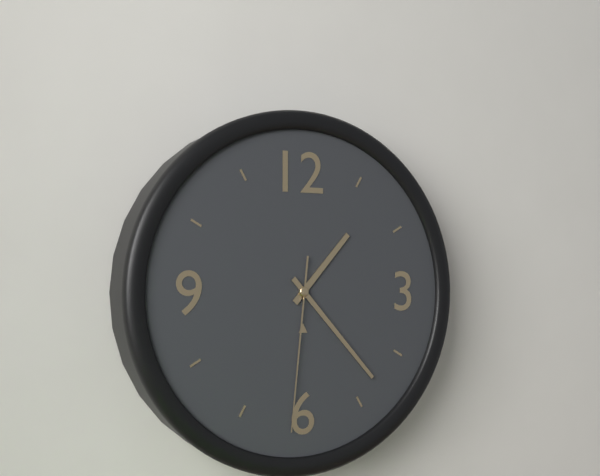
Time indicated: 1:23:31
